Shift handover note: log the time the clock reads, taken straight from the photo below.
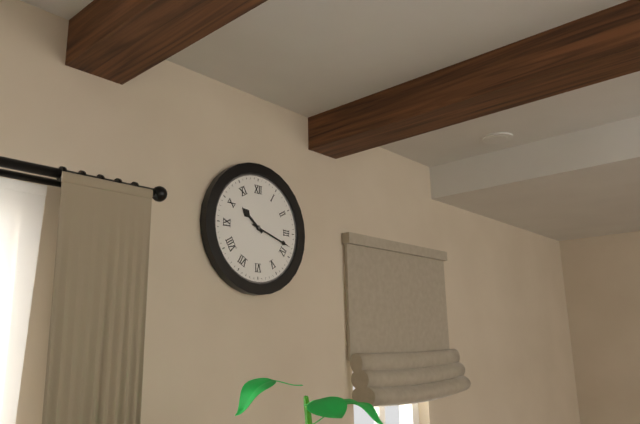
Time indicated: 10:18
